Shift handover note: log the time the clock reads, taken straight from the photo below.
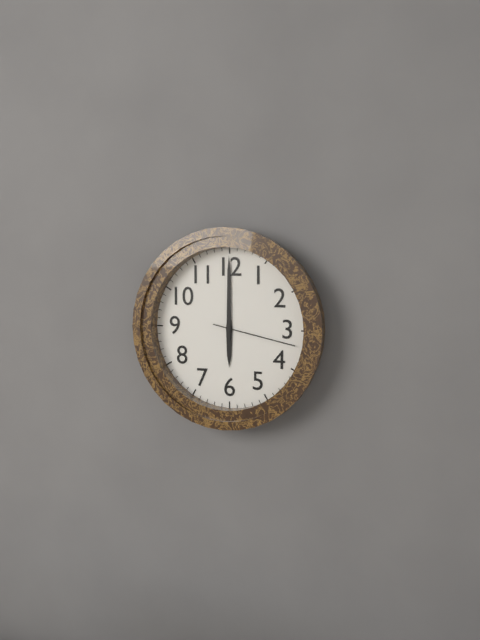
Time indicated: 6:00:17
